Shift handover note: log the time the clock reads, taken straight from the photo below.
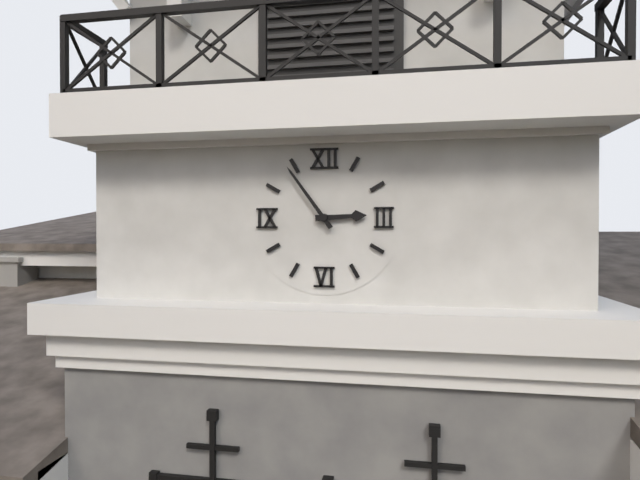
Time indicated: 2:54
